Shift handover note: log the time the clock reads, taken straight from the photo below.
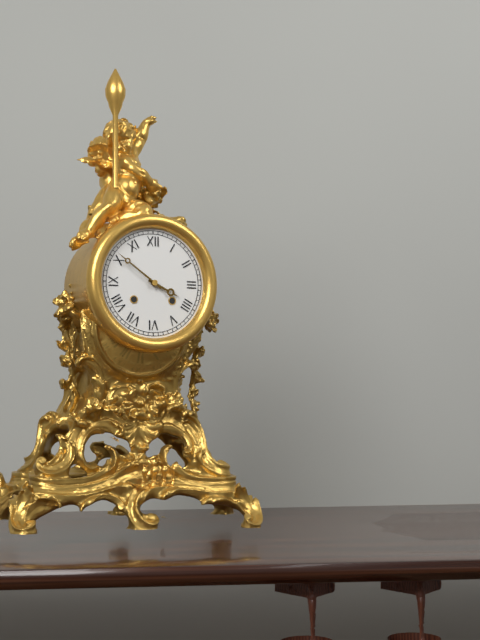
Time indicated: 3:51
